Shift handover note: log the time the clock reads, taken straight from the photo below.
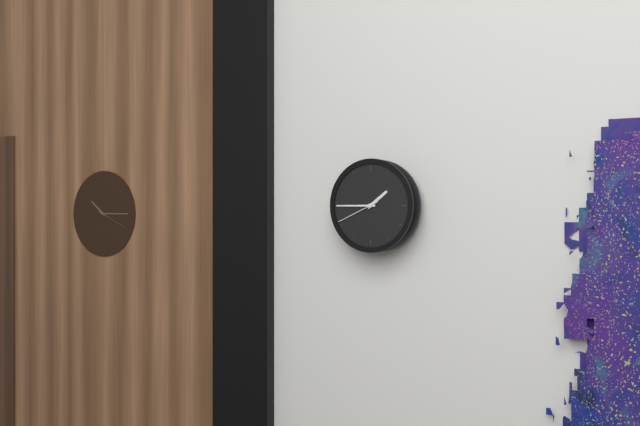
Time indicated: 1:45
